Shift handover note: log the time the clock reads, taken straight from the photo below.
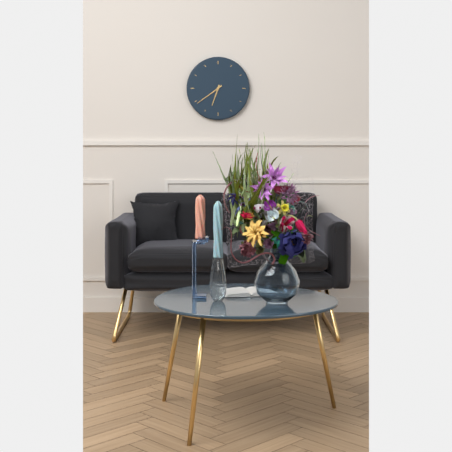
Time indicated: 6:39
